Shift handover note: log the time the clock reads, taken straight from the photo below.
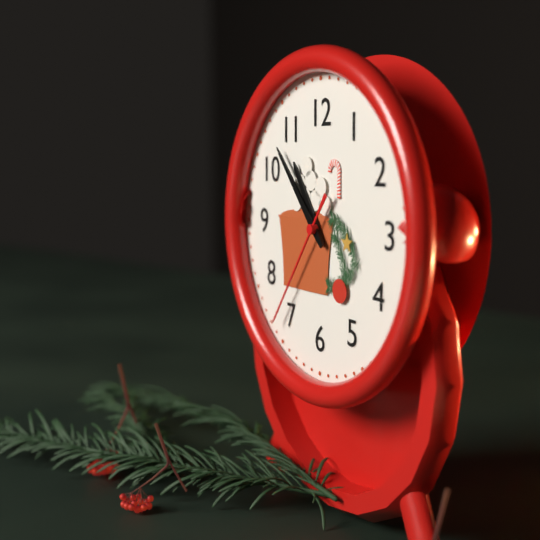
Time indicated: 10:53:36
